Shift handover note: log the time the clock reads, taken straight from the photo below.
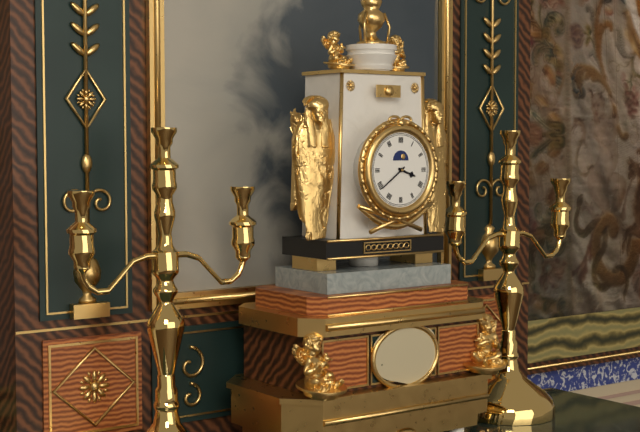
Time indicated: 3:39
